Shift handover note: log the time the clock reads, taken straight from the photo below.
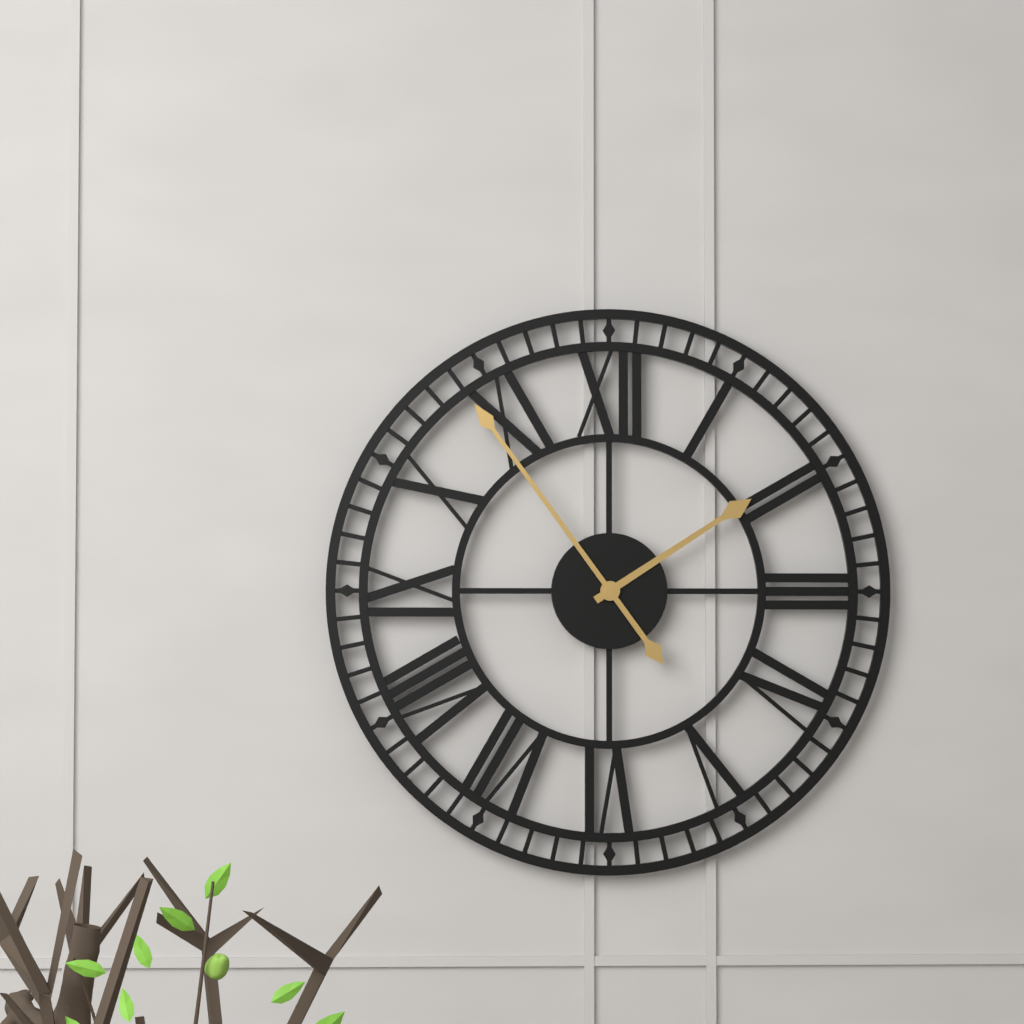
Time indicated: 1:54
